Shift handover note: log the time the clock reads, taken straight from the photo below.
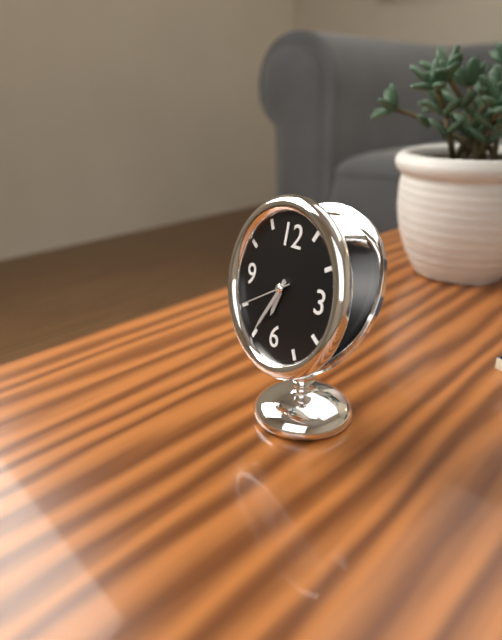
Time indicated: 6:35:40
